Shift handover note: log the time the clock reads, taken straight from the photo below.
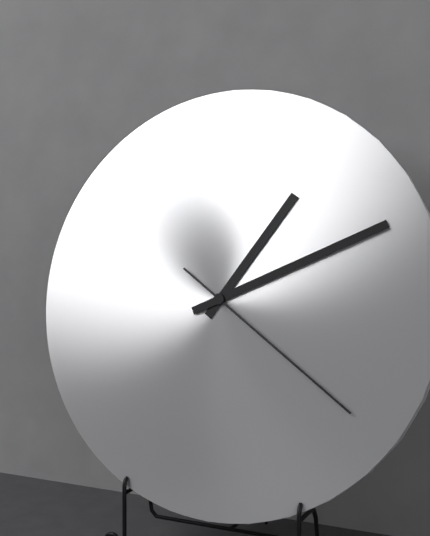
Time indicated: 1:11:21
